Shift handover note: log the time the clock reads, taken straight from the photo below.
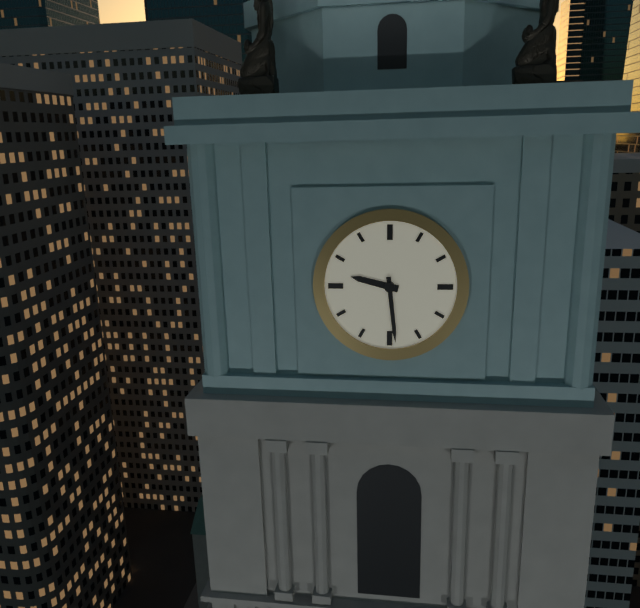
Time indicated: 9:29
